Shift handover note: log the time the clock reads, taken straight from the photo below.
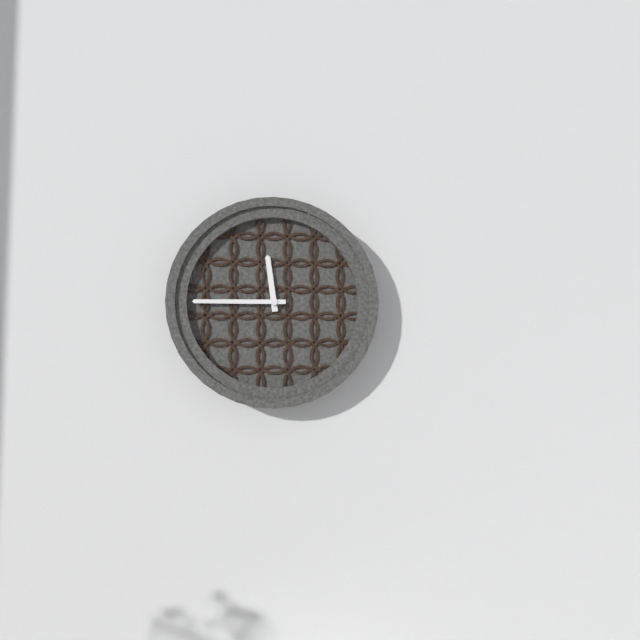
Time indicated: 11:45
